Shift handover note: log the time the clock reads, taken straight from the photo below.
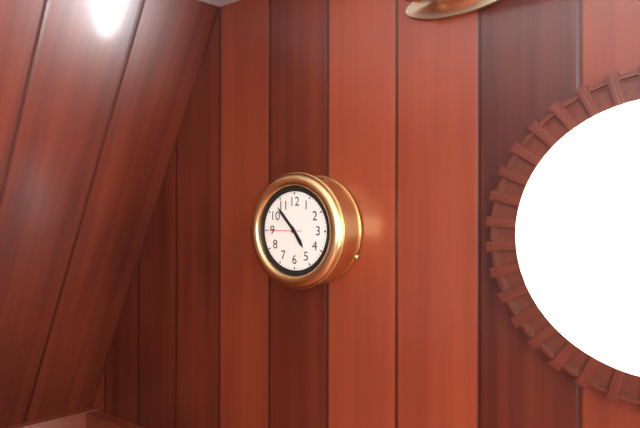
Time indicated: 4:53
